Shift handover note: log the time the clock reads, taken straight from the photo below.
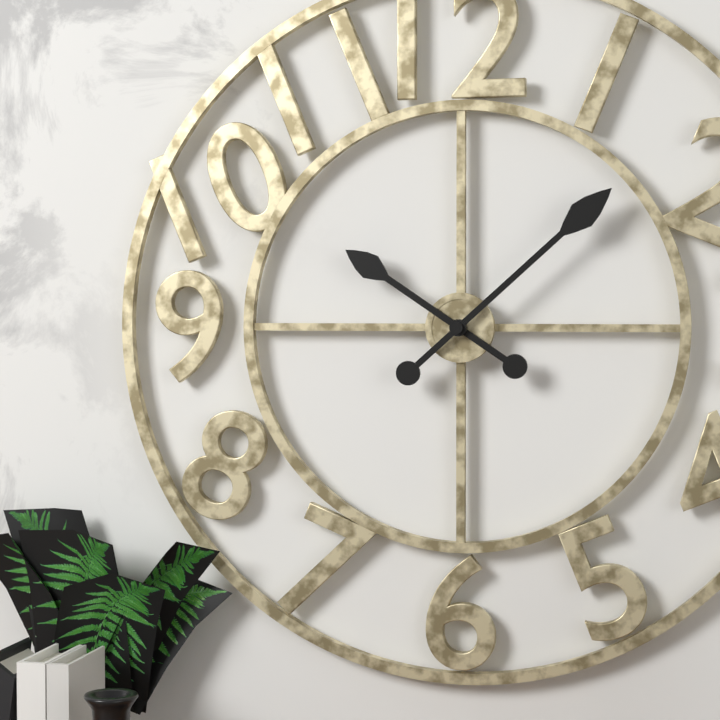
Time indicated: 10:08
